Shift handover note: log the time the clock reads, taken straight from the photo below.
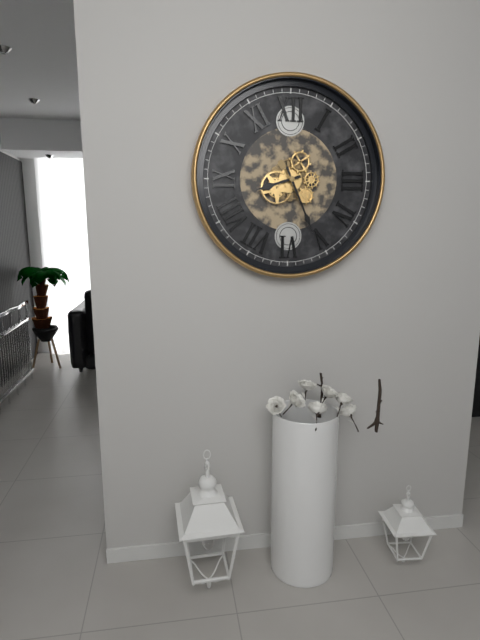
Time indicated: 8:26
